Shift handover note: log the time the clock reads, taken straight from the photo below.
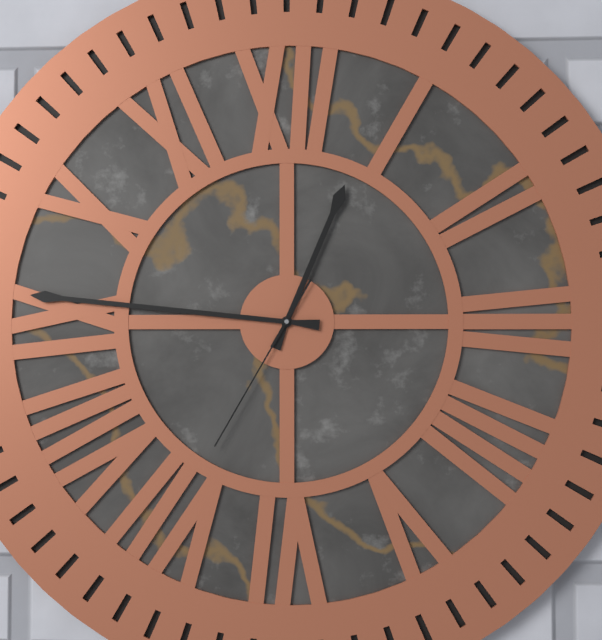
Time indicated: 12:46:35
